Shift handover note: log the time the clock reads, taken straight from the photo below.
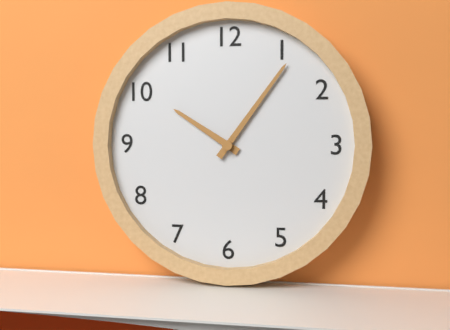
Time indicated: 10:06
